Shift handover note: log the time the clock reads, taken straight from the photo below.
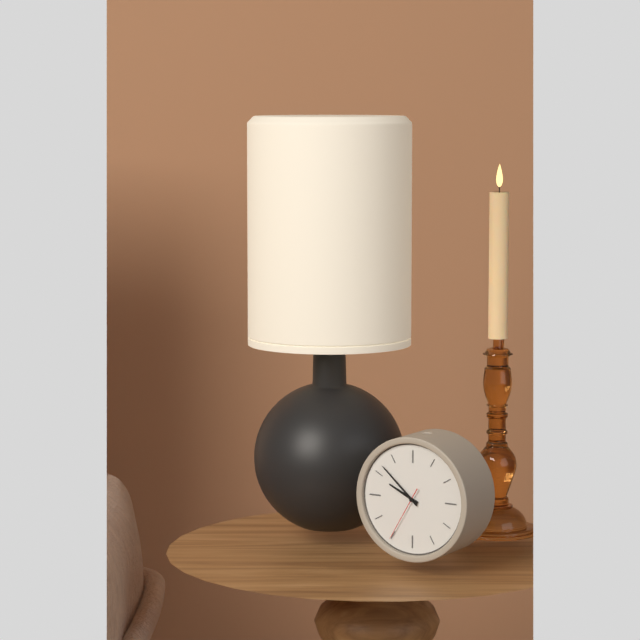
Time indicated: 9:52:35
